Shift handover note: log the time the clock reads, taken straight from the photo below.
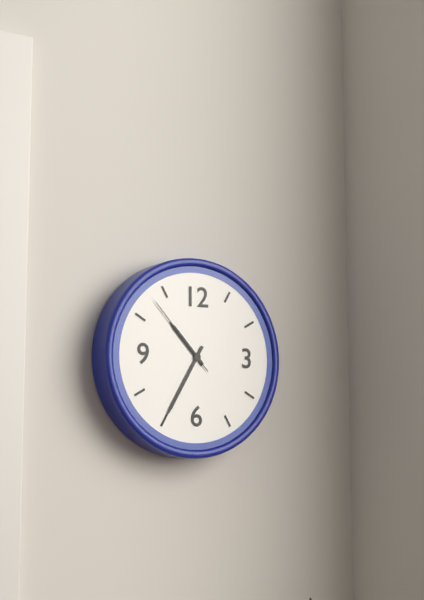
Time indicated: 10:35:53
